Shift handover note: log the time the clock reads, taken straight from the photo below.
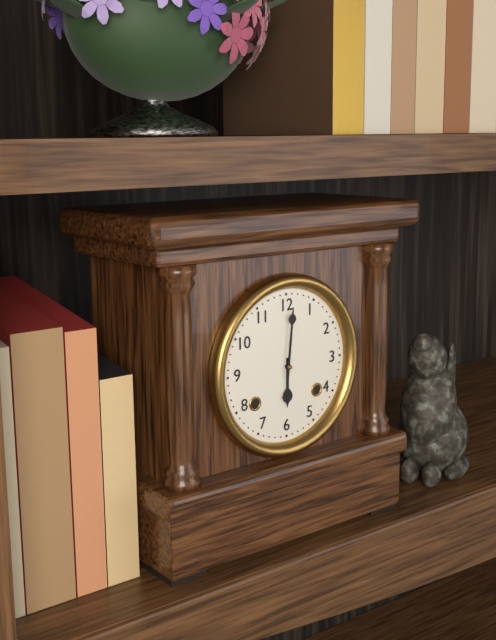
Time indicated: 6:01
